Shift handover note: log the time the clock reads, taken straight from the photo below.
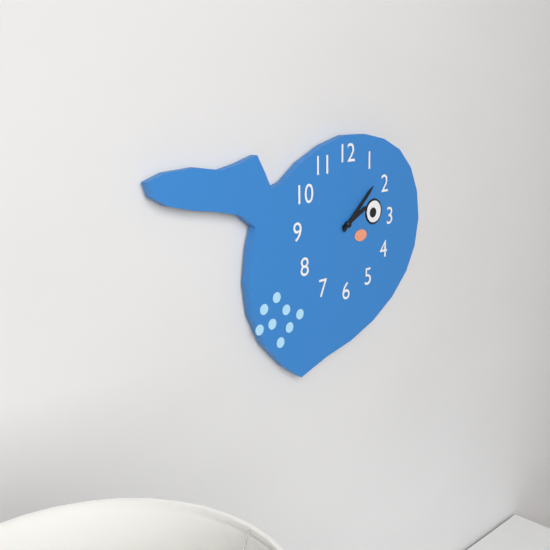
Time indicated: 2:08
